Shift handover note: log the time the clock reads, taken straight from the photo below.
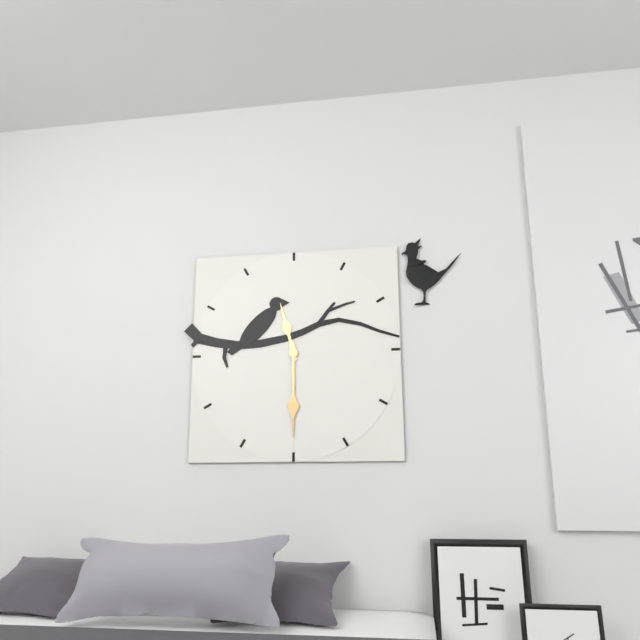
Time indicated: 11:30
